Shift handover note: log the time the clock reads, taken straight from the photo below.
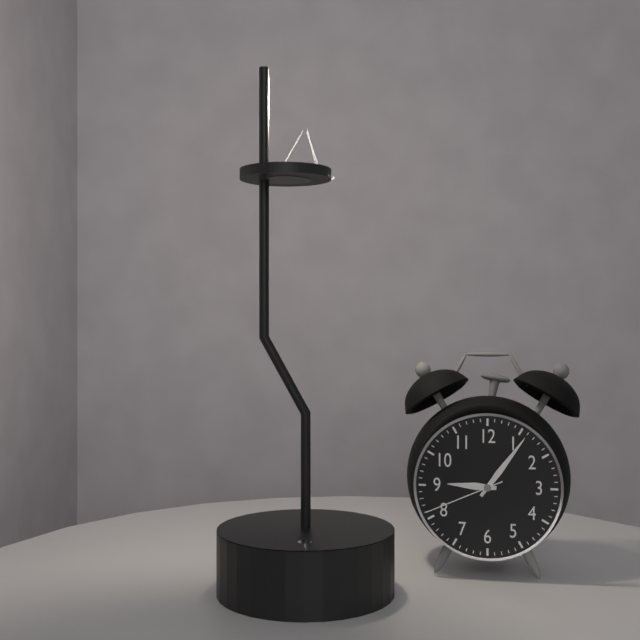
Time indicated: 9:06:41
